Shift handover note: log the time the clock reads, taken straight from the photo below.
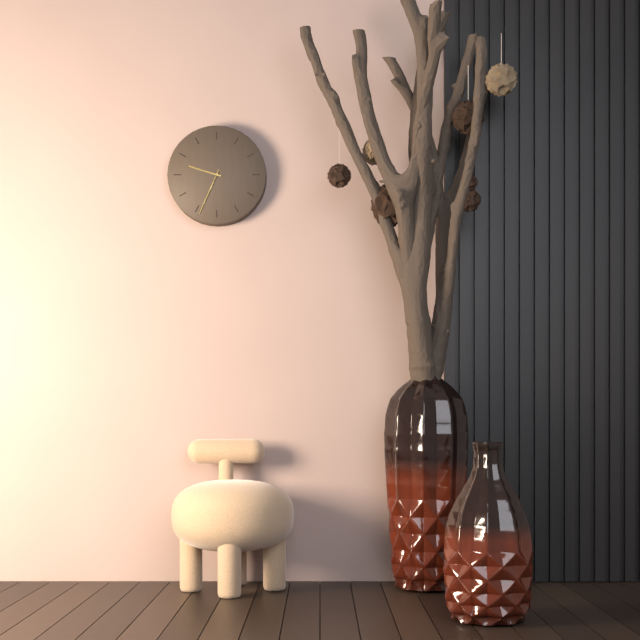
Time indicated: 9:34
